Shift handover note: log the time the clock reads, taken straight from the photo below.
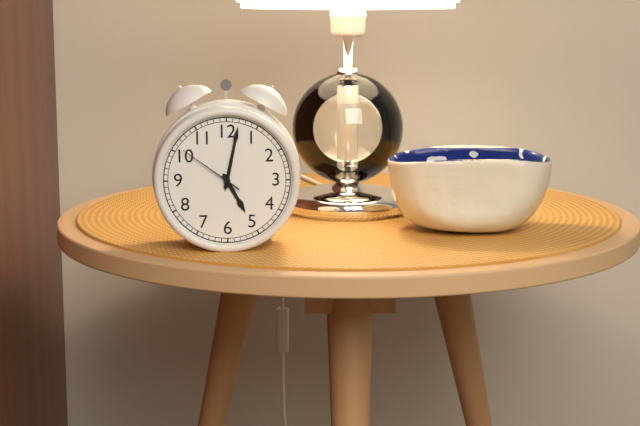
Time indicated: 5:02:51
